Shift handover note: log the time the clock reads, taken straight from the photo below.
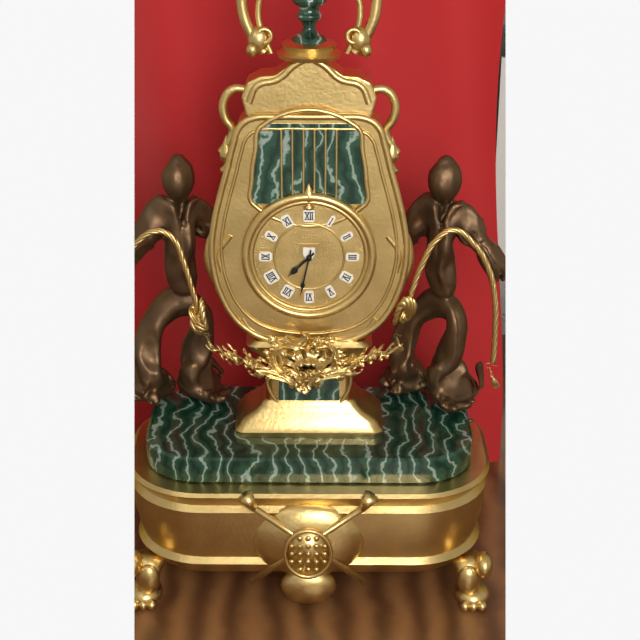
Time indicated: 7:32
